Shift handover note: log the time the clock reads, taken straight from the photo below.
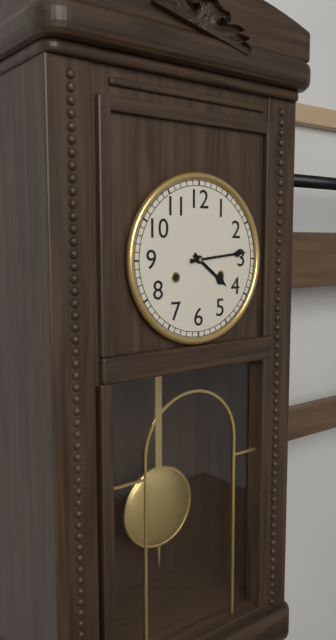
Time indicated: 4:14
